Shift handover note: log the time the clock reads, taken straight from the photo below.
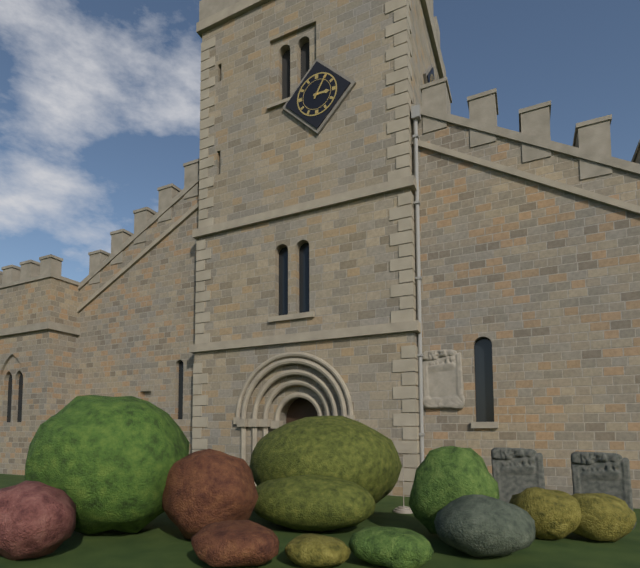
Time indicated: 3:05
